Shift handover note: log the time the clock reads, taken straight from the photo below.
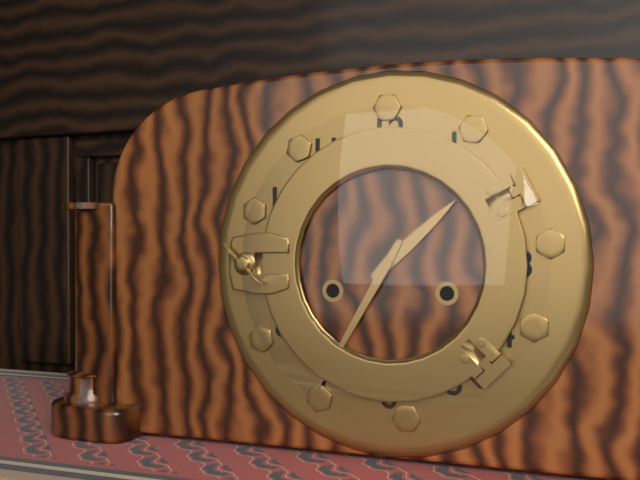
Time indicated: 1:35
